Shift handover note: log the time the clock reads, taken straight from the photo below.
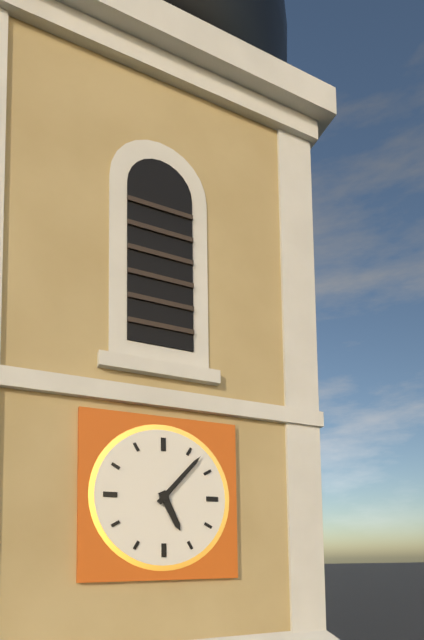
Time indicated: 5:07
